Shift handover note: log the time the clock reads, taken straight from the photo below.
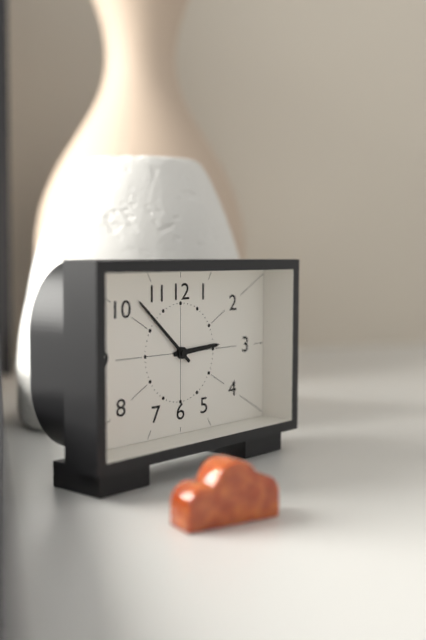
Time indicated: 2:52
